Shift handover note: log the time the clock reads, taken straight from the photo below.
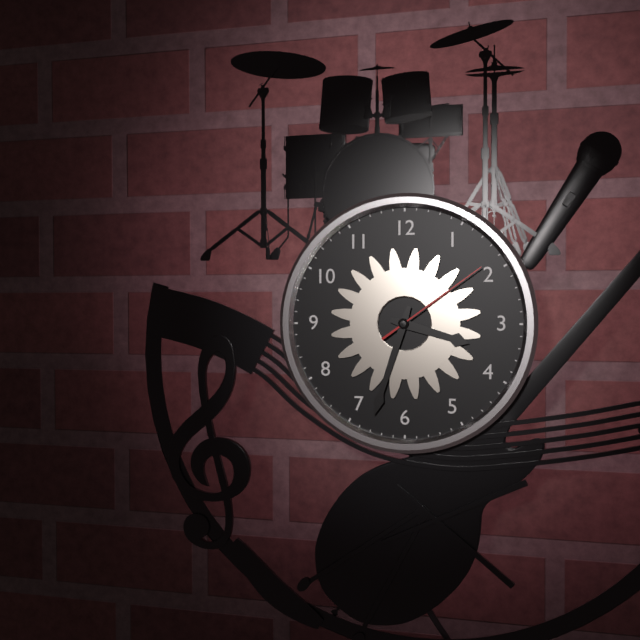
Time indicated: 3:33:09
